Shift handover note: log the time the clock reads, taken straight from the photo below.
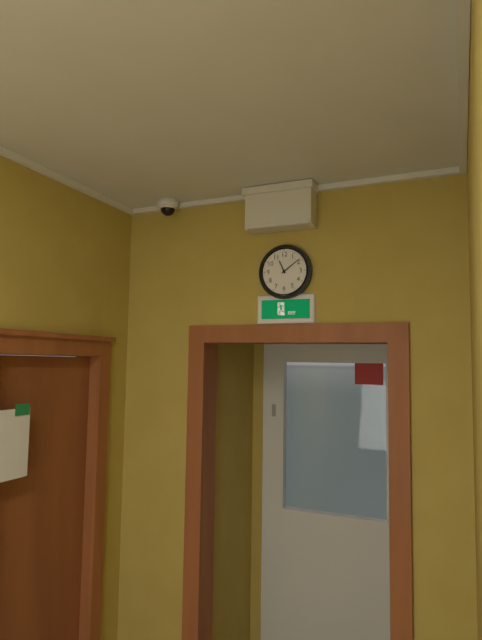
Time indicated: 11:09
